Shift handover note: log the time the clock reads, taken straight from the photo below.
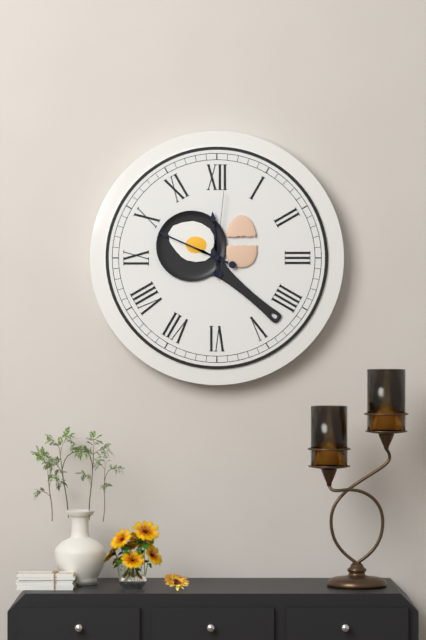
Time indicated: 11:49:01
